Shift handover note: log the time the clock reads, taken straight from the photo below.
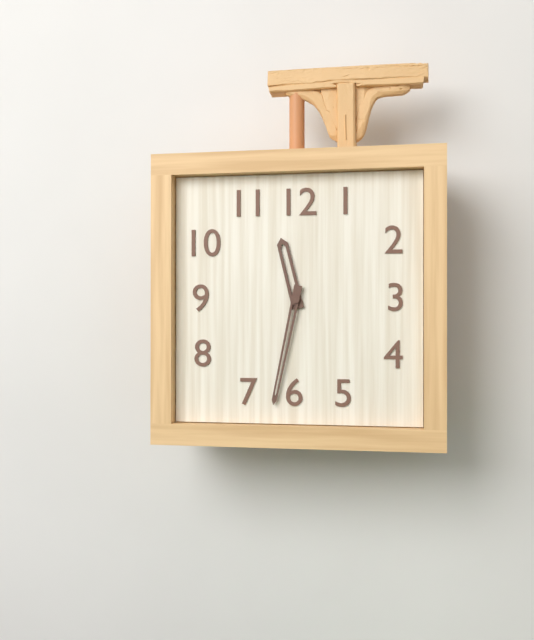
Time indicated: 11:32
